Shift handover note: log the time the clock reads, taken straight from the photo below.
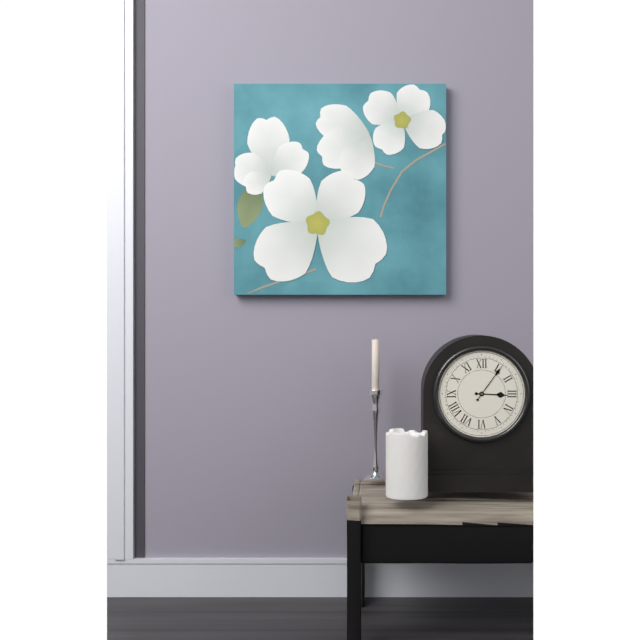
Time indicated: 3:06
